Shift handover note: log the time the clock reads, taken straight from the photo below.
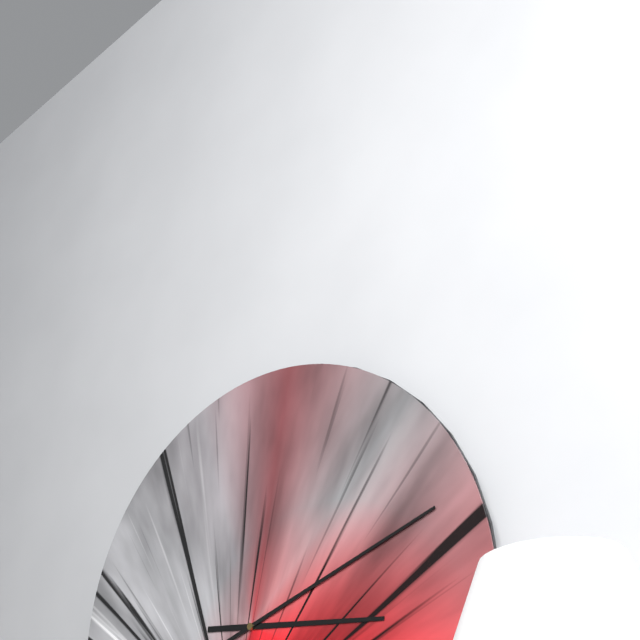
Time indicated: 3:12
